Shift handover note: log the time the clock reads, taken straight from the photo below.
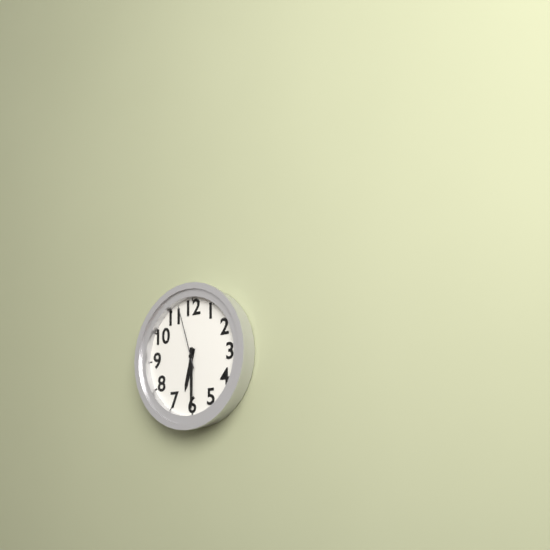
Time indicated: 6:30:57
